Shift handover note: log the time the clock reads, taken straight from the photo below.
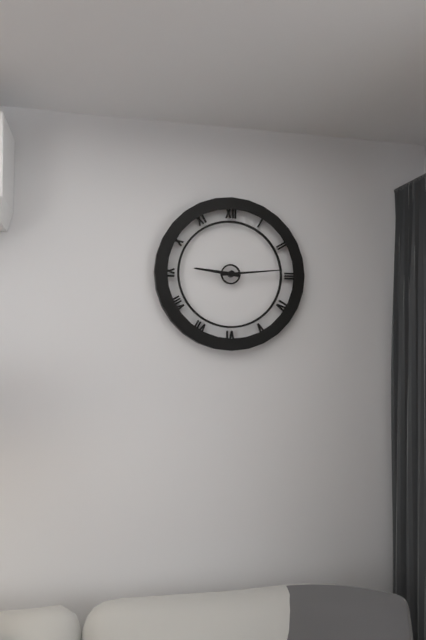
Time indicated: 9:14
